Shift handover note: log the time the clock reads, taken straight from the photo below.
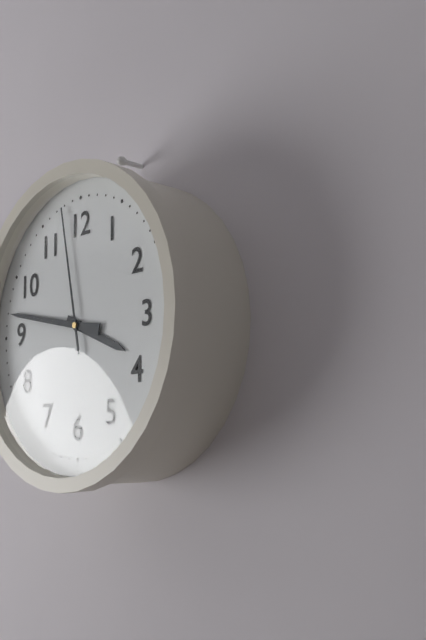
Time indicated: 3:47:58
